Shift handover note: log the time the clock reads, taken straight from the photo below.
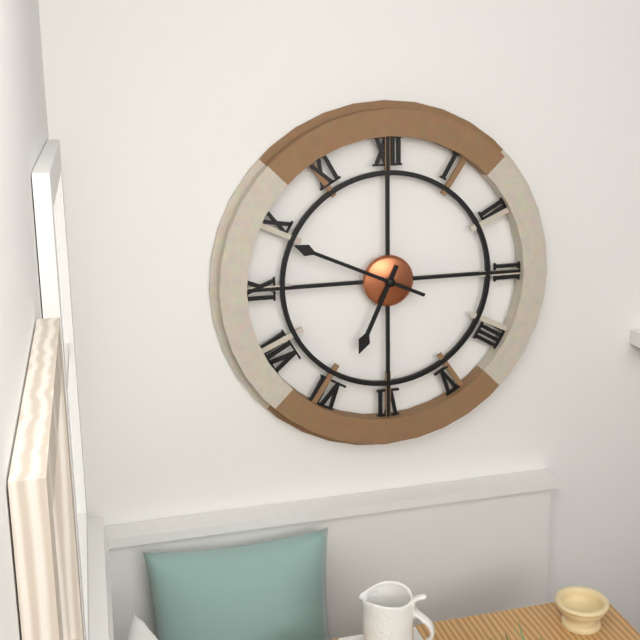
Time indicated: 6:49
